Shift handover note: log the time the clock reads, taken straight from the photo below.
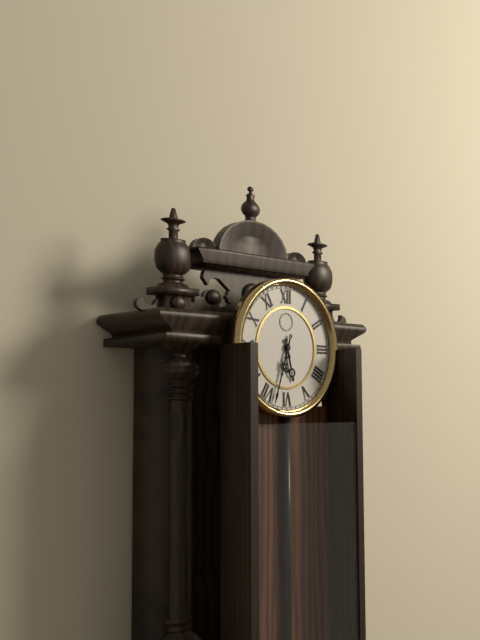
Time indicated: 5:33
